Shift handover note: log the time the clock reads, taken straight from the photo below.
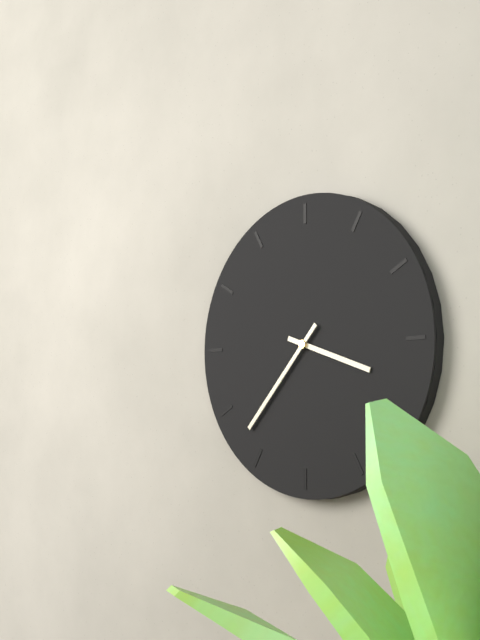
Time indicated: 3:37
